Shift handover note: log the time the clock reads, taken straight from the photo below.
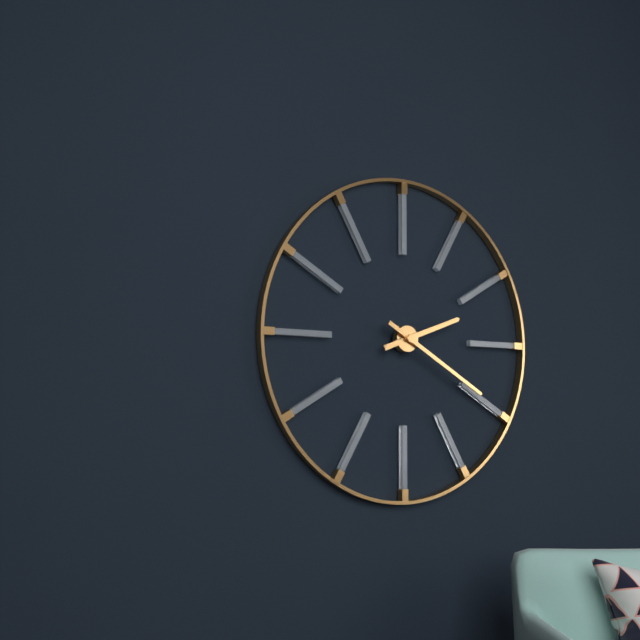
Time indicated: 2:20
